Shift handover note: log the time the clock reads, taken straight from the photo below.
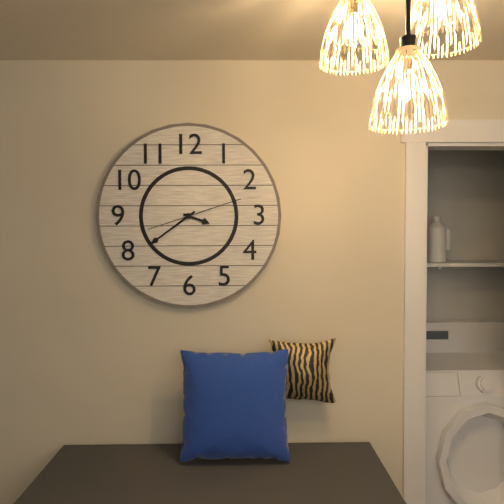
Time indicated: 3:39:12
